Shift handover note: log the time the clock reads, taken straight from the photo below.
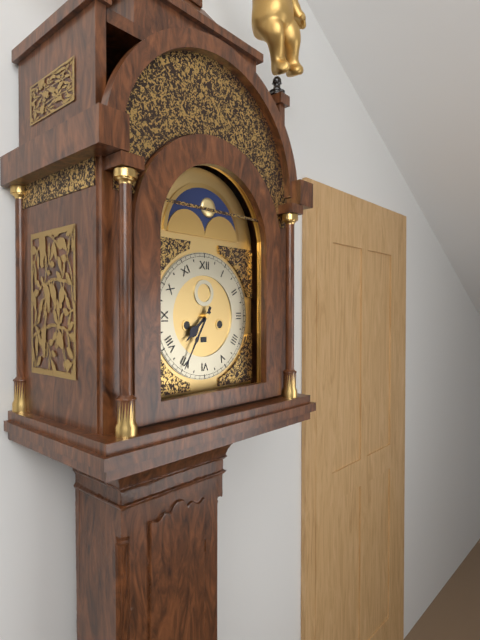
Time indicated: 7:35
